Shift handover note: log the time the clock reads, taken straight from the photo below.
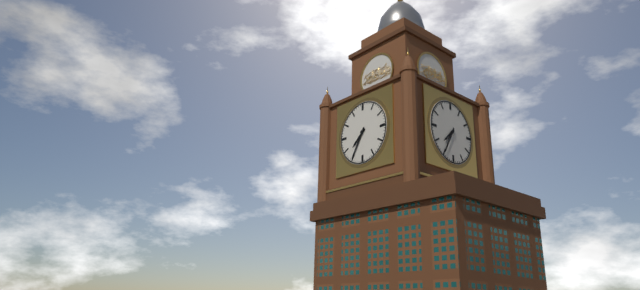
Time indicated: 7:35
